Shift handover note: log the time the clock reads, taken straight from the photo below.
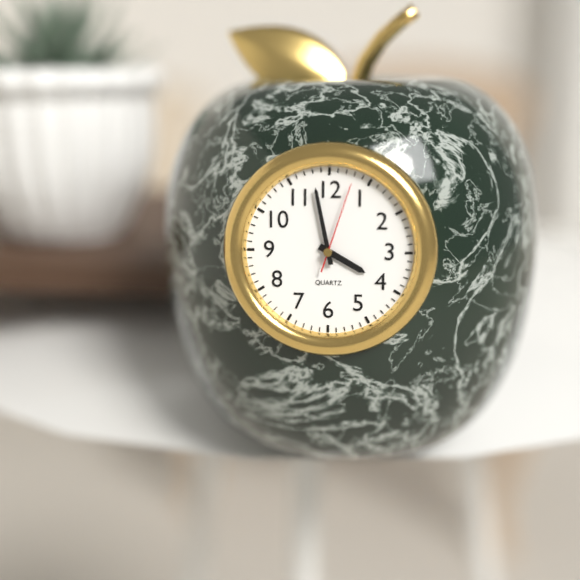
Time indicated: 3:58:03
